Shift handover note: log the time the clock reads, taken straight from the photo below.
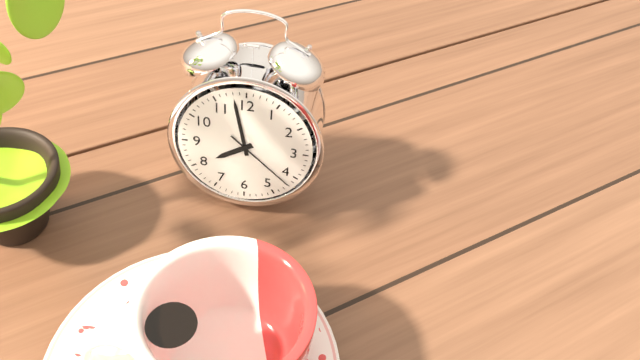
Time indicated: 7:58:22
